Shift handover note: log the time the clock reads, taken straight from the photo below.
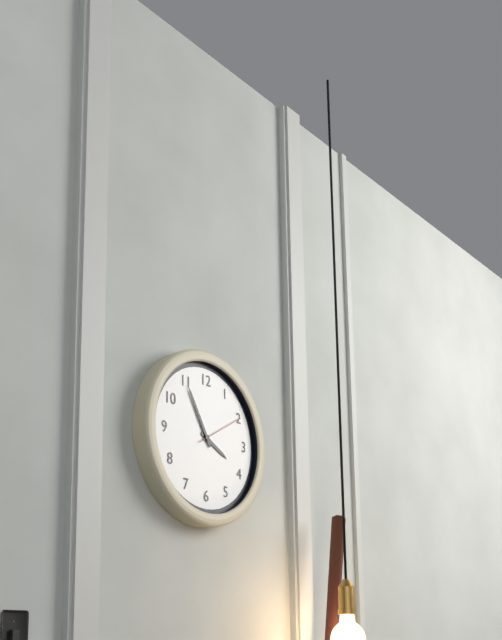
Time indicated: 3:55:10
